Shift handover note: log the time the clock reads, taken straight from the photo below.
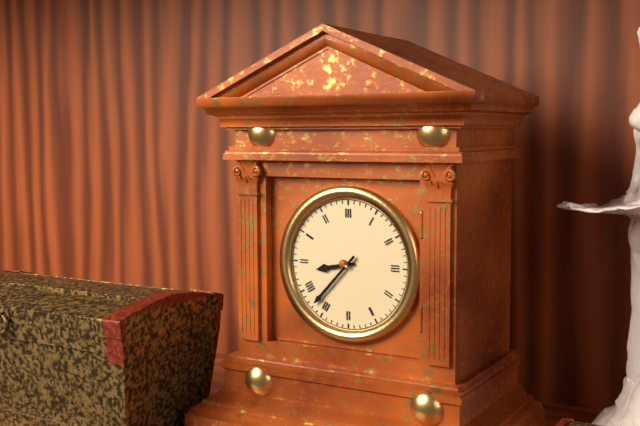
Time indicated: 8:37
